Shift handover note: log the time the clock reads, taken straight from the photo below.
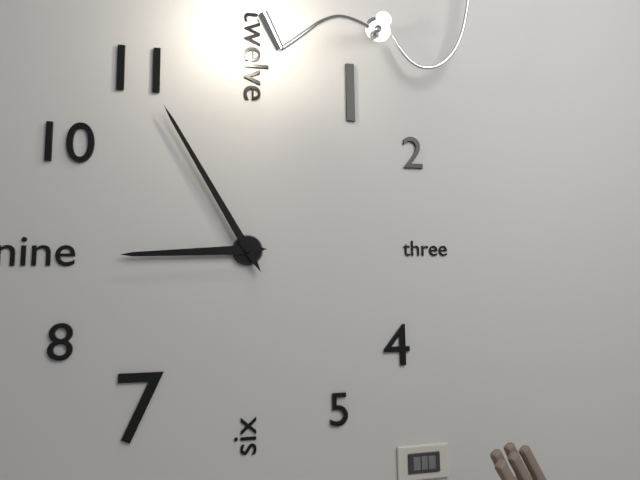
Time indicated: 8:55
